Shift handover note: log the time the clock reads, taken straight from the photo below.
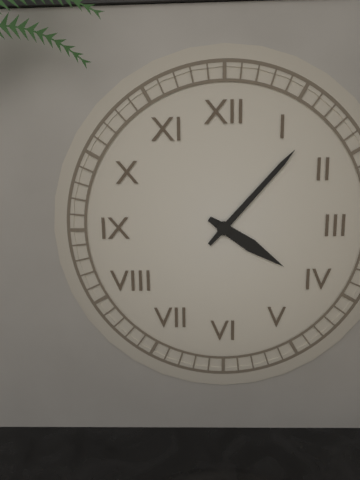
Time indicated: 4:07
